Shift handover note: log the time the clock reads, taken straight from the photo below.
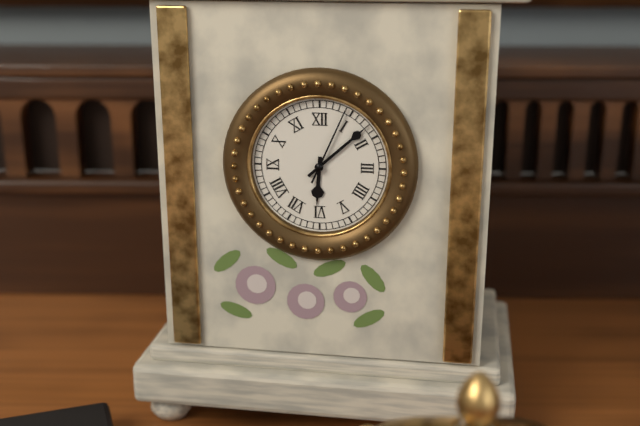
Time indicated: 6:08:04
